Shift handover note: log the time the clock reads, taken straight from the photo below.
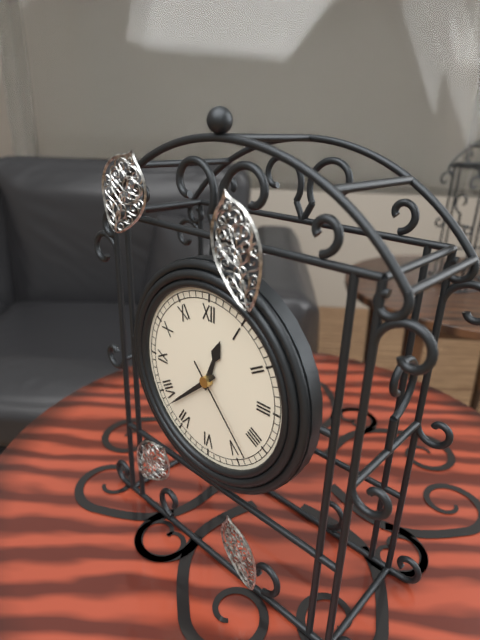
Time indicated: 12:38:23
